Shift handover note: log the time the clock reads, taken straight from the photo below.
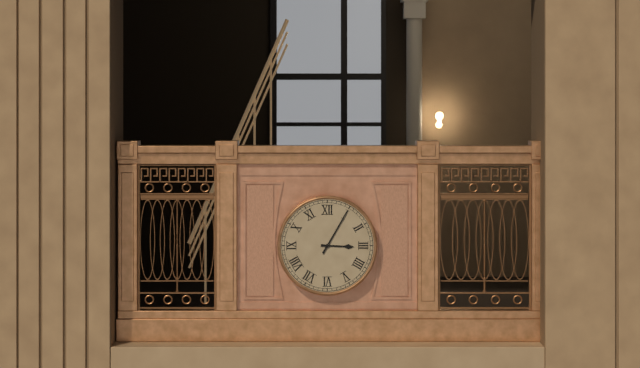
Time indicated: 3:05
